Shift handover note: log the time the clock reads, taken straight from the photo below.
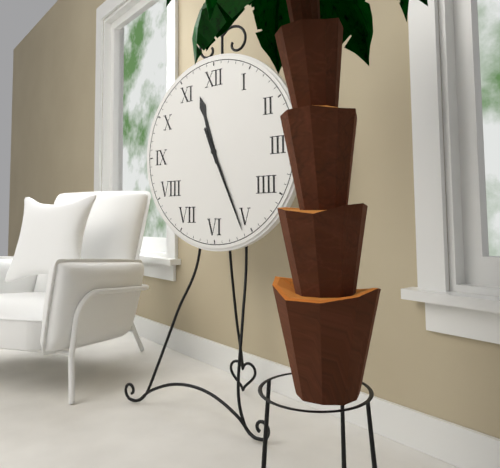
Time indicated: 11:26
